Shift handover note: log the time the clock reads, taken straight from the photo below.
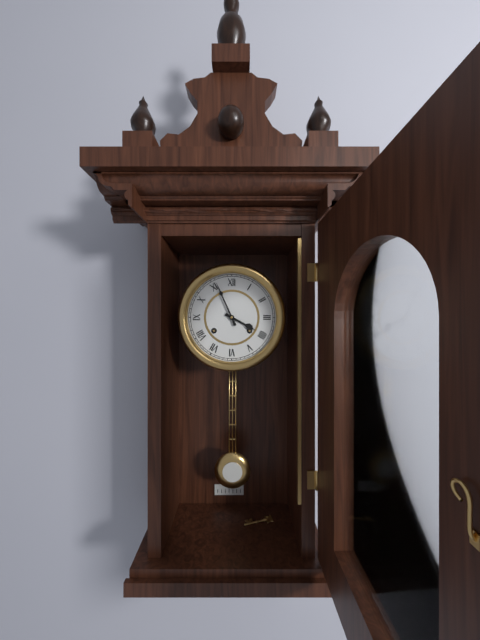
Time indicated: 3:56
